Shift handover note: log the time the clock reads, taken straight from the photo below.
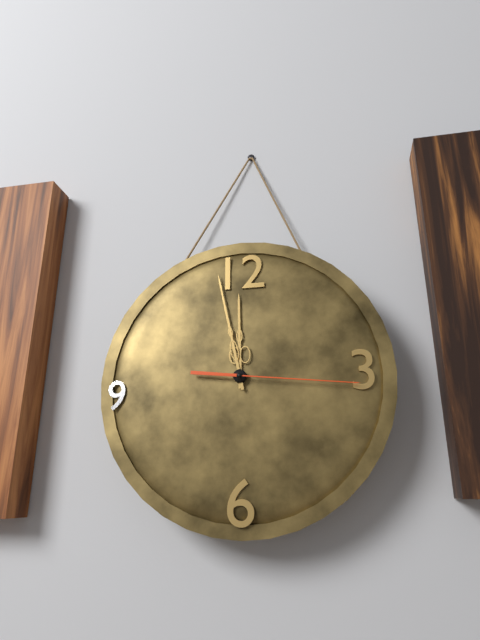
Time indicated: 11:58:16
